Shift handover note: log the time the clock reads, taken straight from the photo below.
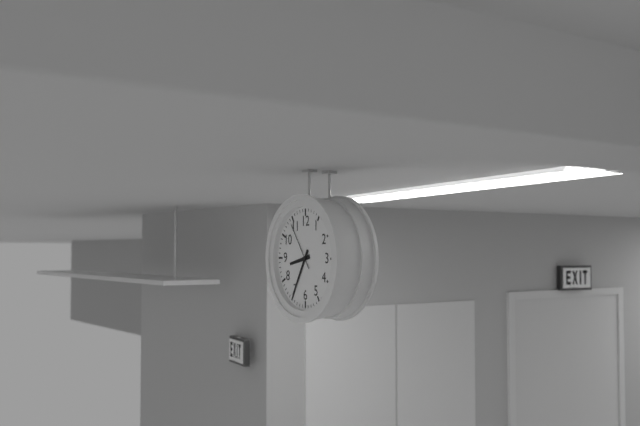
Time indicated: 8:35
